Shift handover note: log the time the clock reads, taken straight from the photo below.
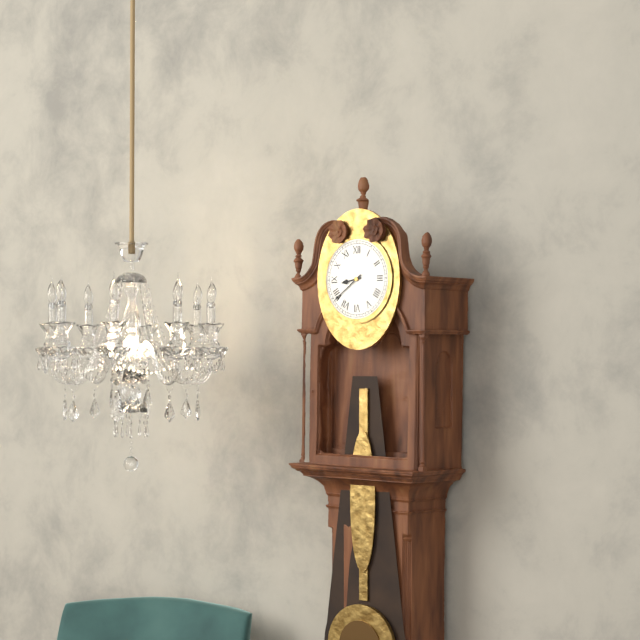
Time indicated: 8:39
